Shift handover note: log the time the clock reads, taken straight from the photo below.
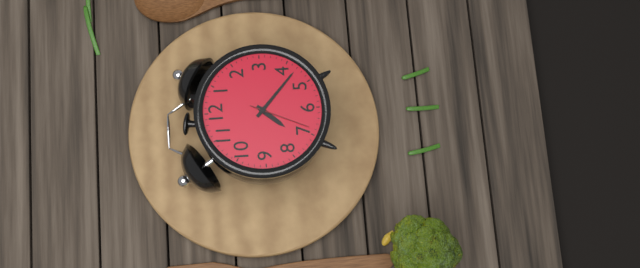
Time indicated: 7:22:34
